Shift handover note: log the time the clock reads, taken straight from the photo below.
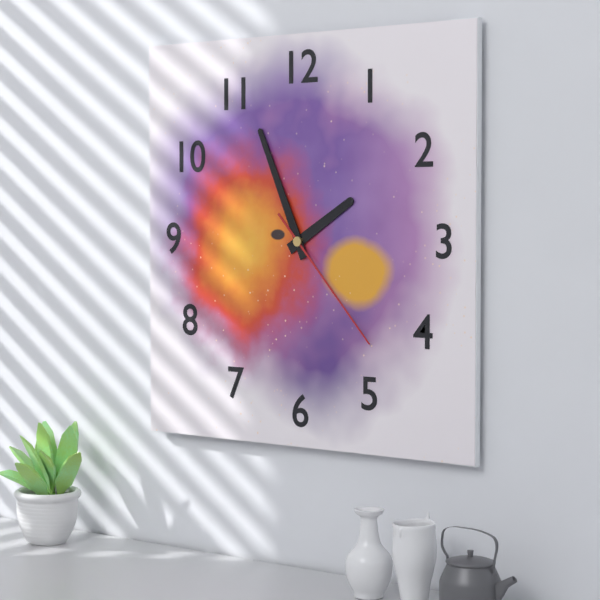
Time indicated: 1:56:23
